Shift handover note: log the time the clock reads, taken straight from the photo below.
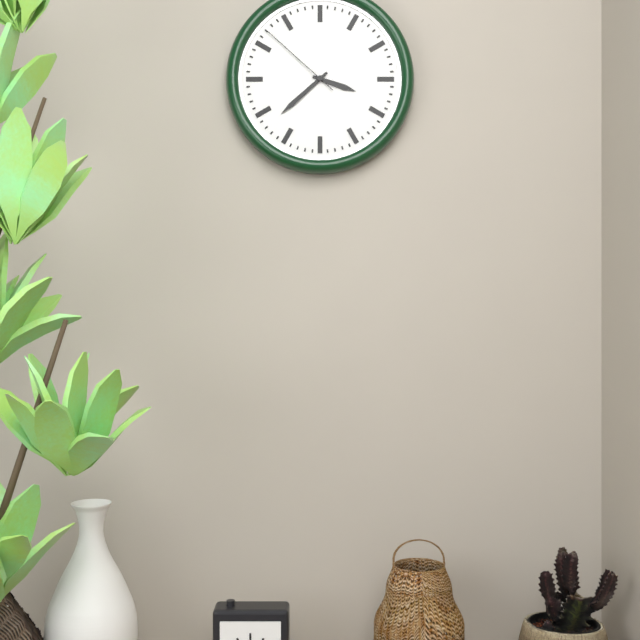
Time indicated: 3:38:52
